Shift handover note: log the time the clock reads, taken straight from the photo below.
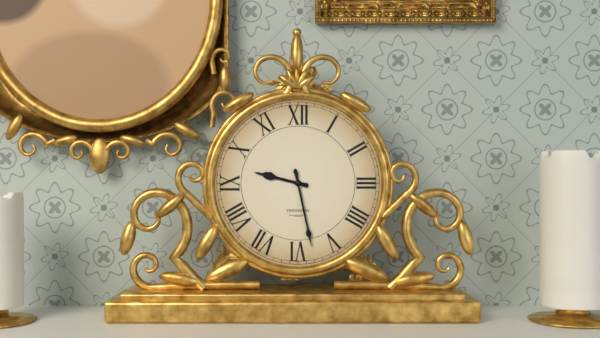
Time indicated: 9:28
